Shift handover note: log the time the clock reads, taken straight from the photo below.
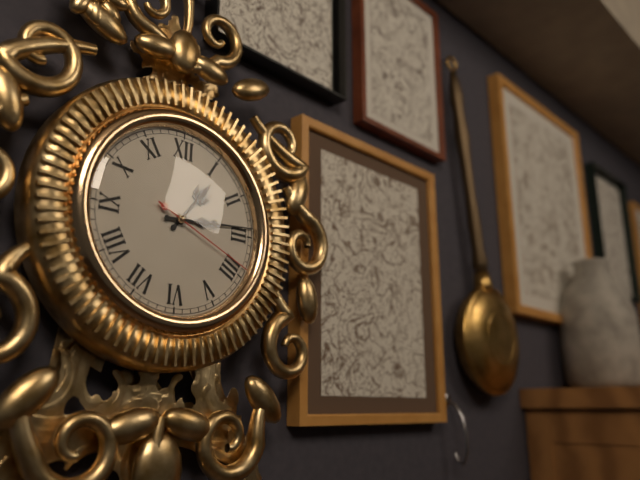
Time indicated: 1:14:19
